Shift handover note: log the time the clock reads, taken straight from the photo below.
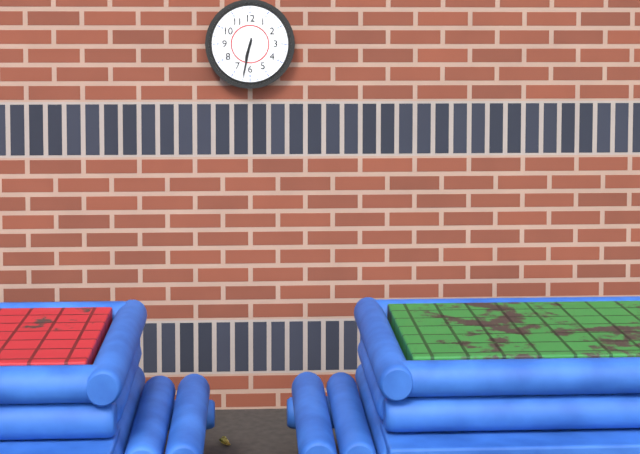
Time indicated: 6:32
